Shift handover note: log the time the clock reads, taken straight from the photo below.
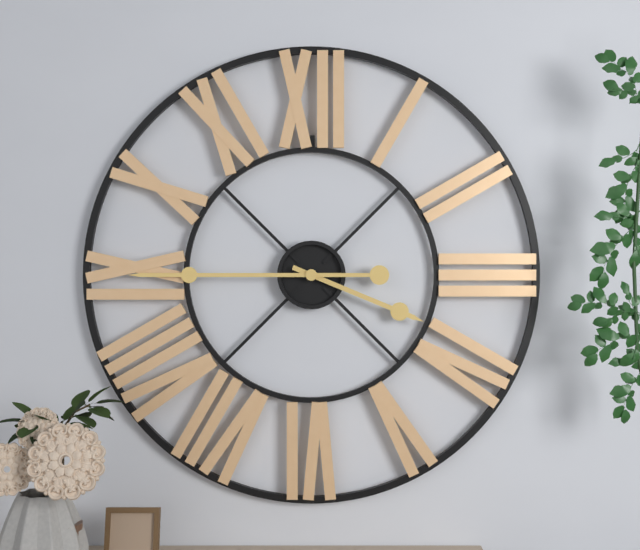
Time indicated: 3:45
